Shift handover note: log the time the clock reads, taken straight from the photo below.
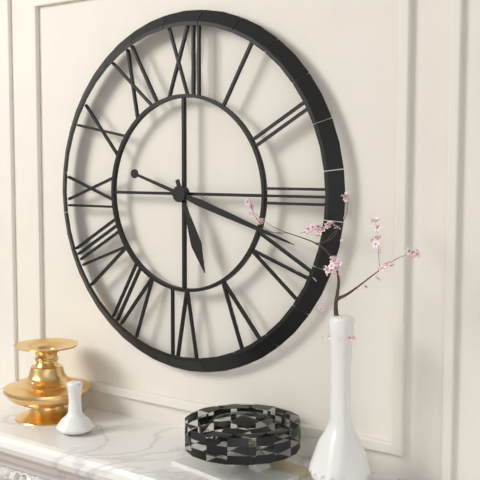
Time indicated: 5:18
